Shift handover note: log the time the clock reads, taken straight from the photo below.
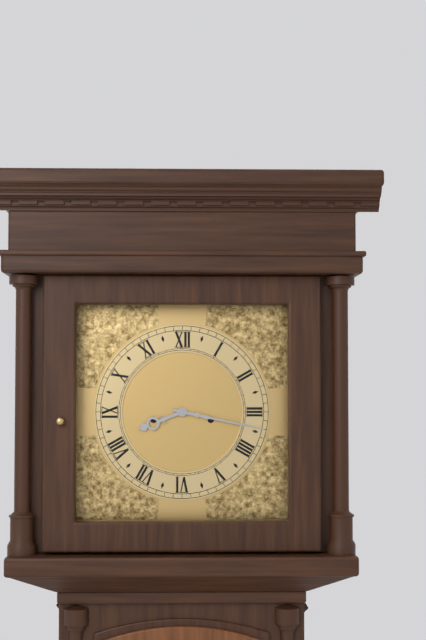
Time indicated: 8:17
